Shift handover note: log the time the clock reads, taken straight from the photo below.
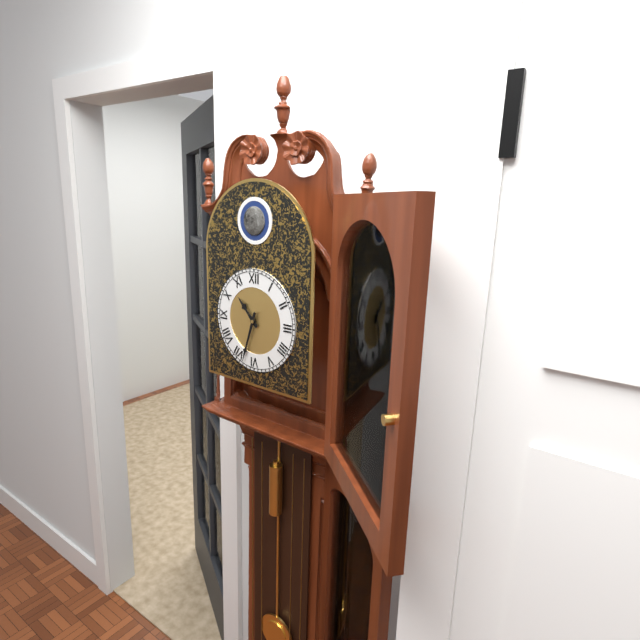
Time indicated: 10:33
